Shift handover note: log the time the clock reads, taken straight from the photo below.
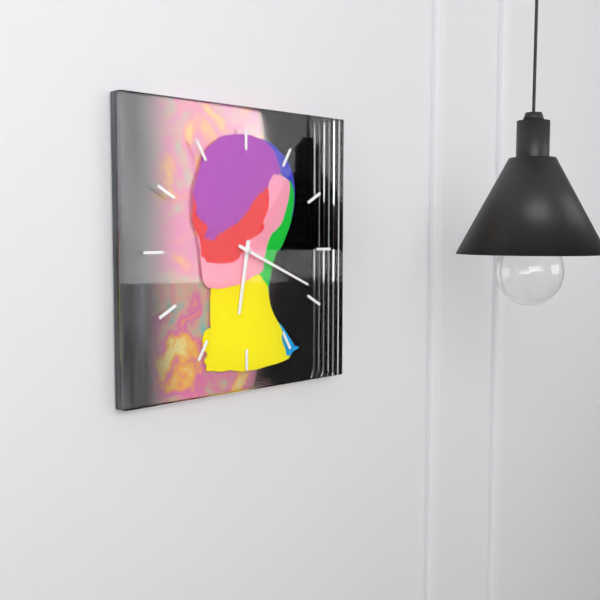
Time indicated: 6:19
